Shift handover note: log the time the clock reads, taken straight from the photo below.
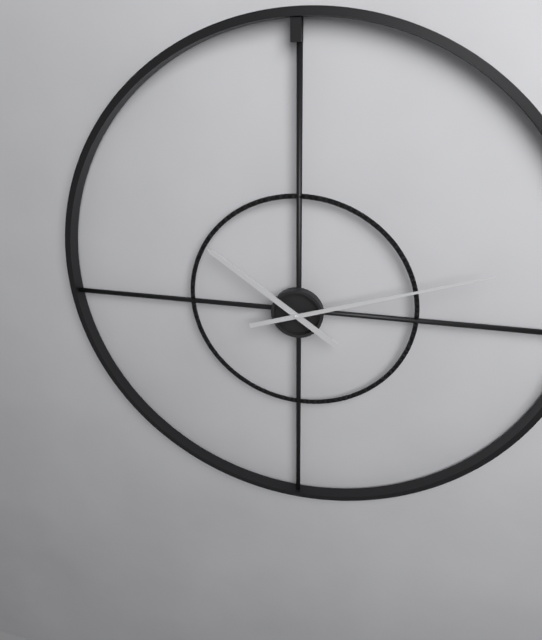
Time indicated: 10:12
